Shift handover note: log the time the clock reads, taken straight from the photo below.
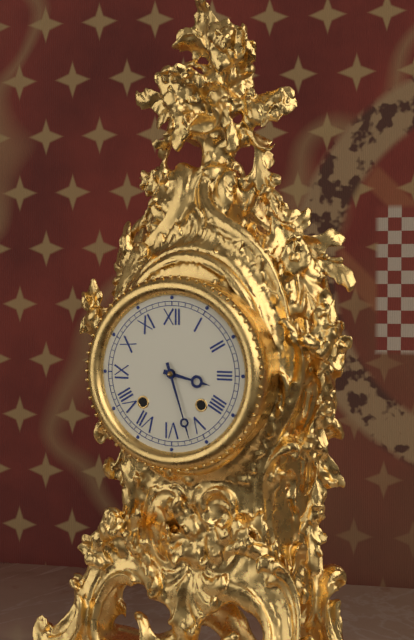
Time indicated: 3:27
